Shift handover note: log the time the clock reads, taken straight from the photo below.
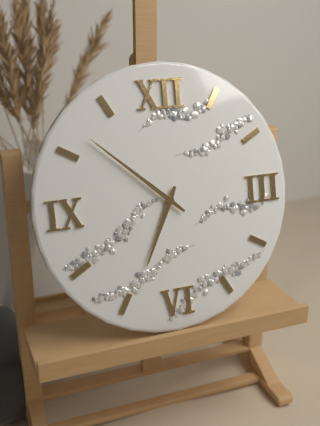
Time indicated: 6:52
